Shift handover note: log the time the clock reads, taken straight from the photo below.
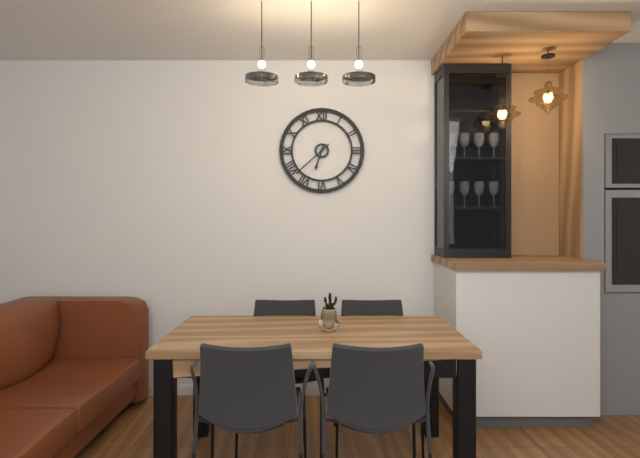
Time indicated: 6:38
